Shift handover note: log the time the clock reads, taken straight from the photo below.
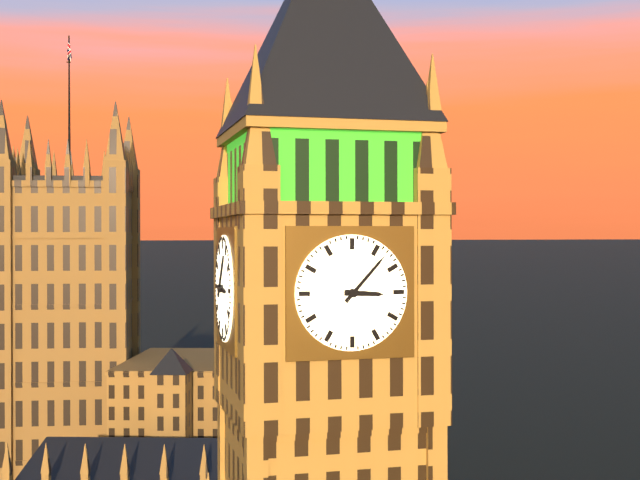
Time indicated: 3:07
